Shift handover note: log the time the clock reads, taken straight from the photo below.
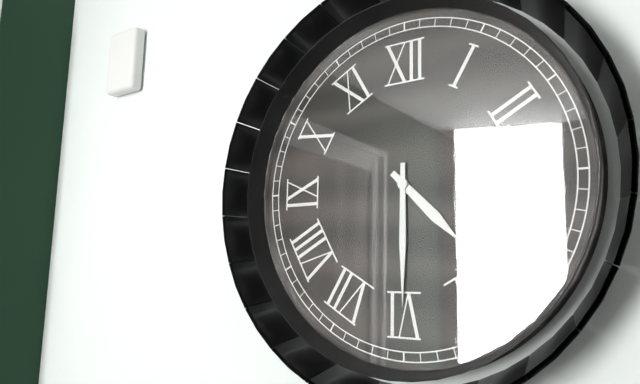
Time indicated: 4:30
